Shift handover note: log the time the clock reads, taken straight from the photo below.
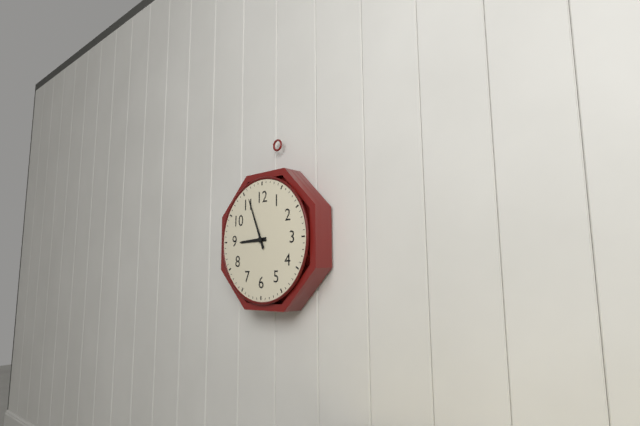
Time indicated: 8:56
